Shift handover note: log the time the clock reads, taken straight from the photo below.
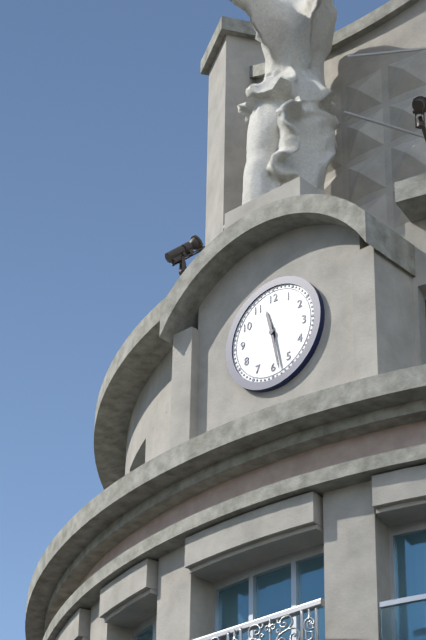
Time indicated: 11:28
